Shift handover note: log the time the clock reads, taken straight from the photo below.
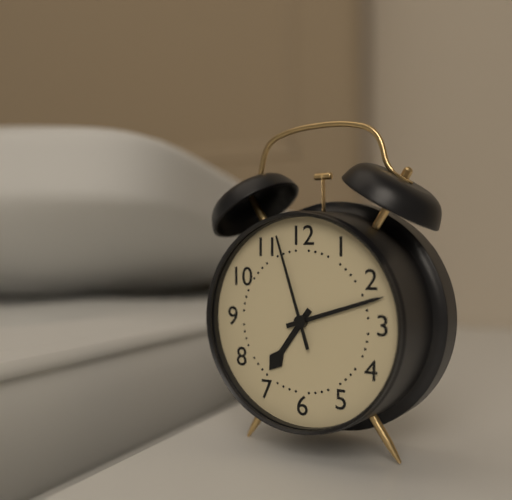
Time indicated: 7:12:57
